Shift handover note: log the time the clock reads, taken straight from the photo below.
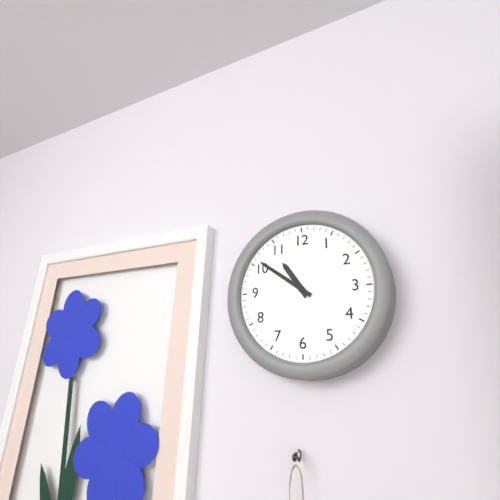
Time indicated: 10:51
